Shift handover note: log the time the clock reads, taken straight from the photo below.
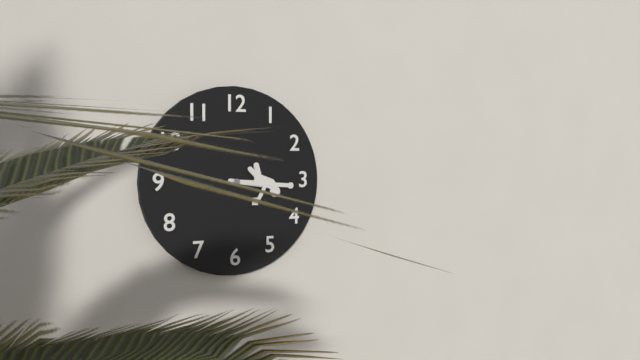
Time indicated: 3:15
